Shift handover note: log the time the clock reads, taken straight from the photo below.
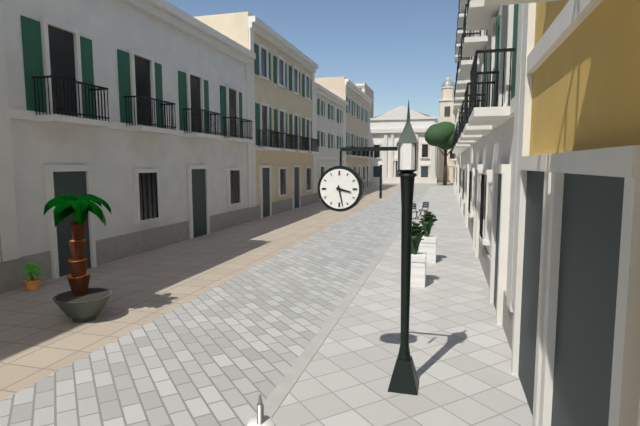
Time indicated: 3:28
